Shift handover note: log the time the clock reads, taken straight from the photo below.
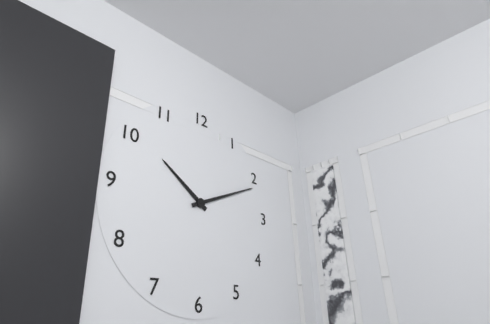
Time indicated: 10:11
